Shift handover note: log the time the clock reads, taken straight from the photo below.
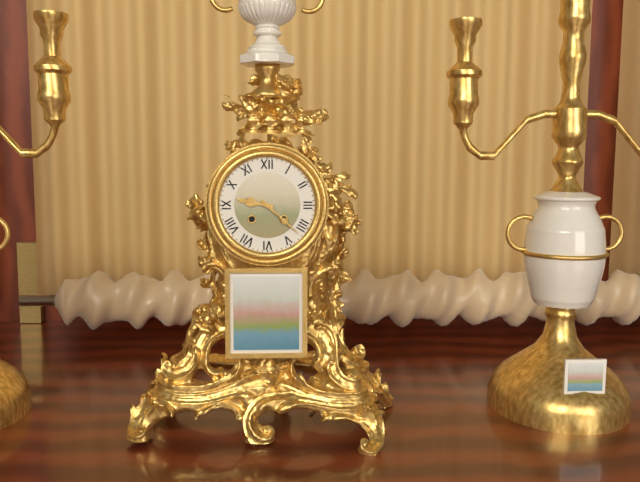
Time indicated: 9:22
